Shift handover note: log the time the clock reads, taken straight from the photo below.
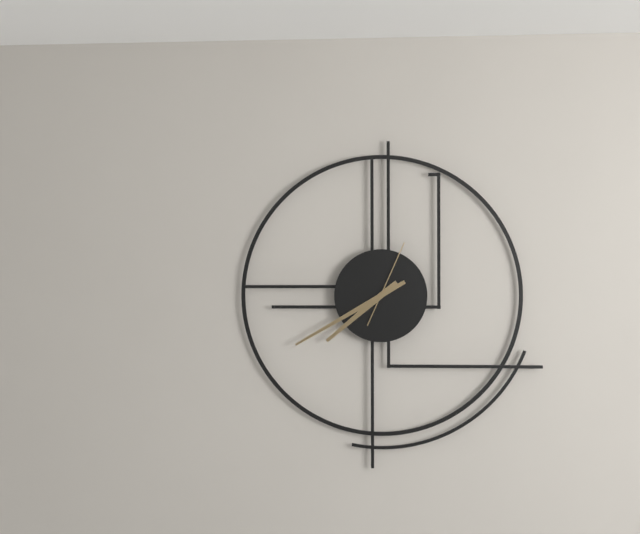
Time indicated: 7:40:04
